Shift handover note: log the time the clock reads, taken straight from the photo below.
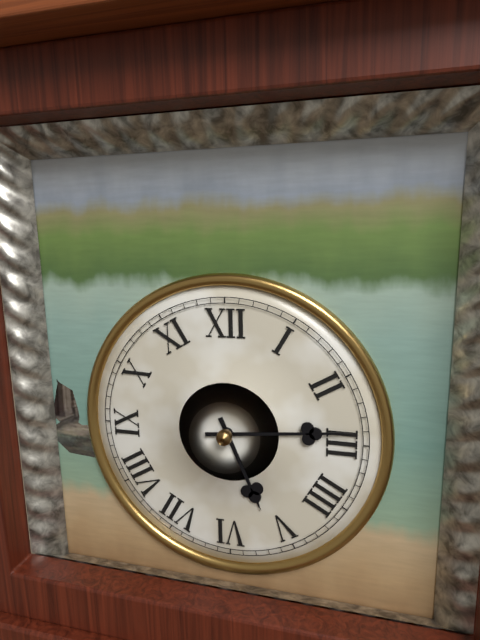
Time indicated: 5:14
